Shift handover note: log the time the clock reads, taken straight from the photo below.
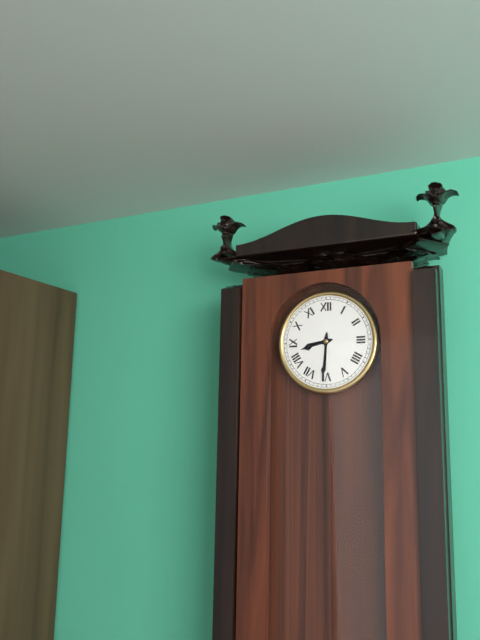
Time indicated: 8:31
